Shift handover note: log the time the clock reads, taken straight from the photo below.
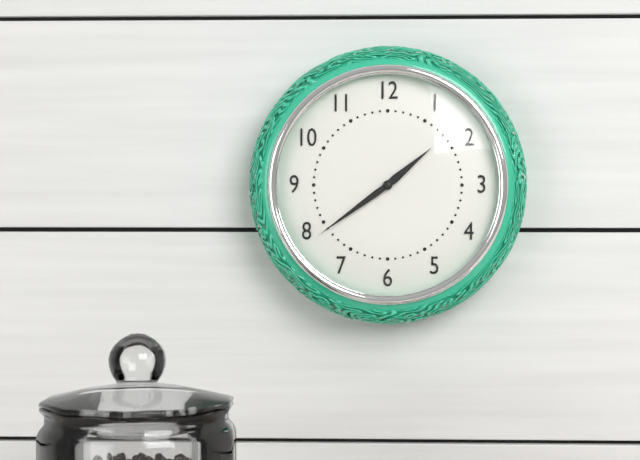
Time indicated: 1:39
